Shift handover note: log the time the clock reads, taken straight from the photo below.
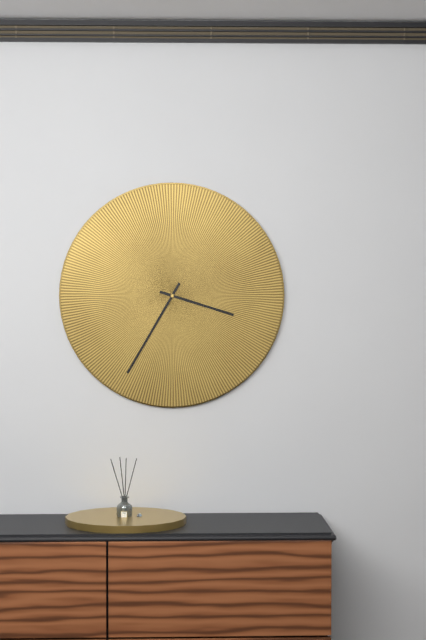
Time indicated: 3:35
